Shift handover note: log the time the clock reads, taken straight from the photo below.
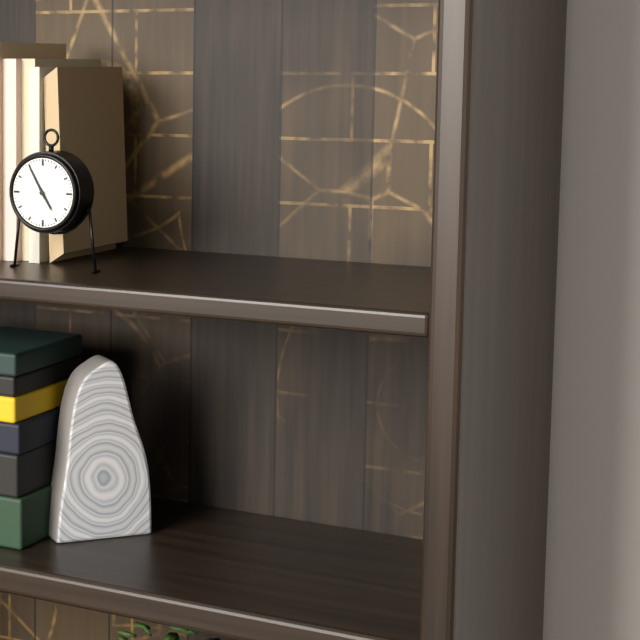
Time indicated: 4:55
